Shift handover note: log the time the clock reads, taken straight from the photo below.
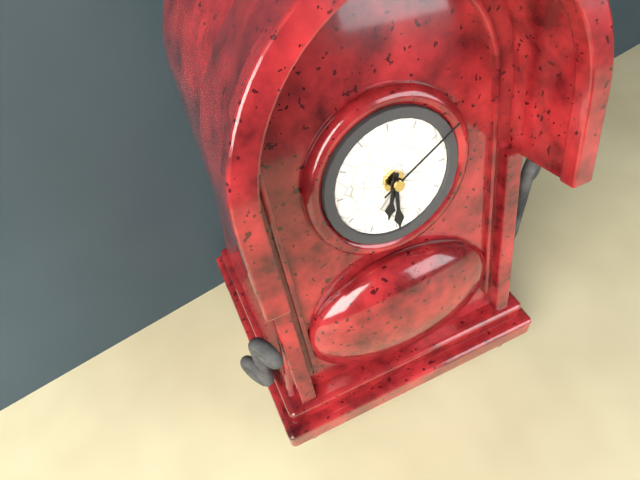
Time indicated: 6:30:10
